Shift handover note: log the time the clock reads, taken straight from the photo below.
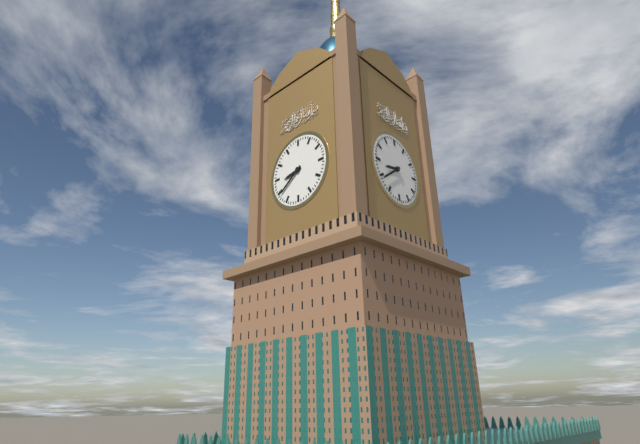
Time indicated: 8:39
